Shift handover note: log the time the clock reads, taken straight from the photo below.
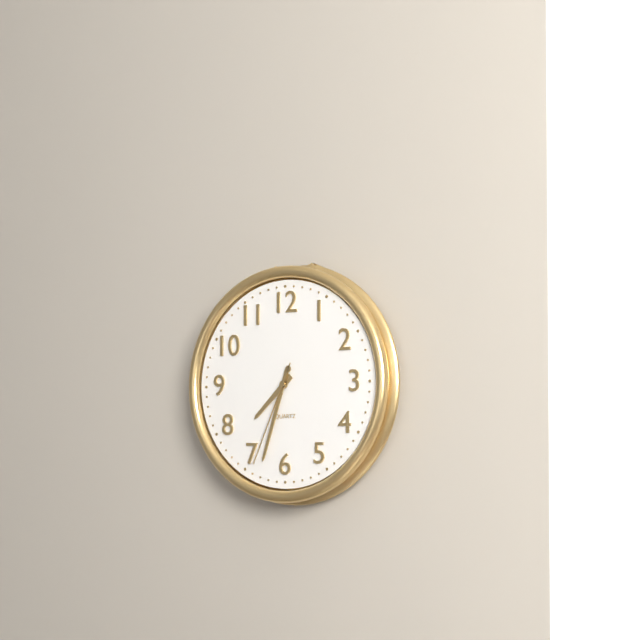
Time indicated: 7:33:34
